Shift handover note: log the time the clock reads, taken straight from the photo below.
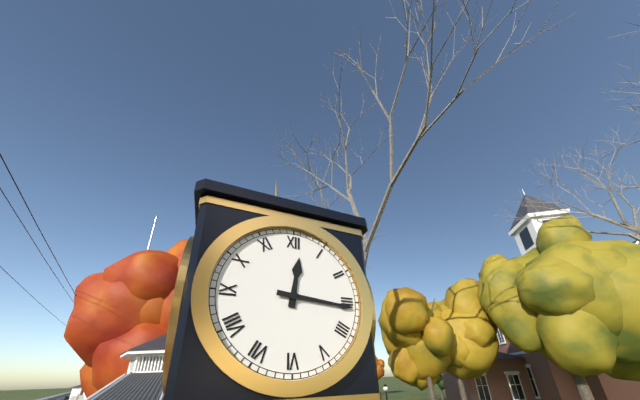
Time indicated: 12:16
